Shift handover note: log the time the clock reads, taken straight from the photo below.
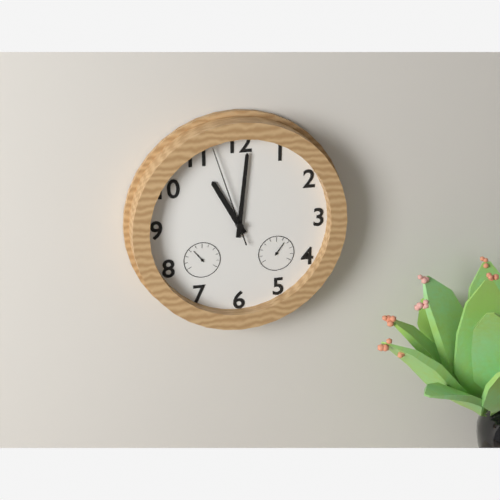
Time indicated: 11:01:57
